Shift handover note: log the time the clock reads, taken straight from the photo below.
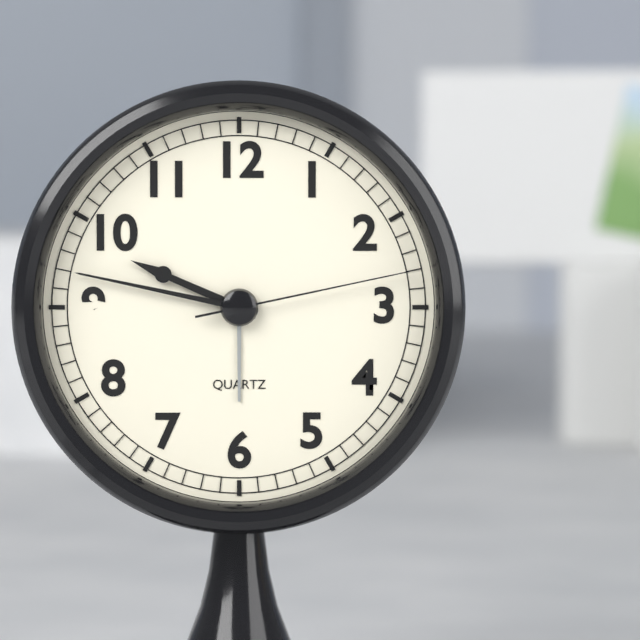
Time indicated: 9:47:13
